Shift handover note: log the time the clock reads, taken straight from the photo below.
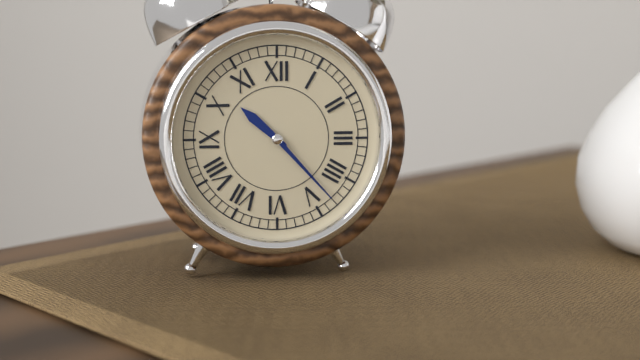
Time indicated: 10:23
